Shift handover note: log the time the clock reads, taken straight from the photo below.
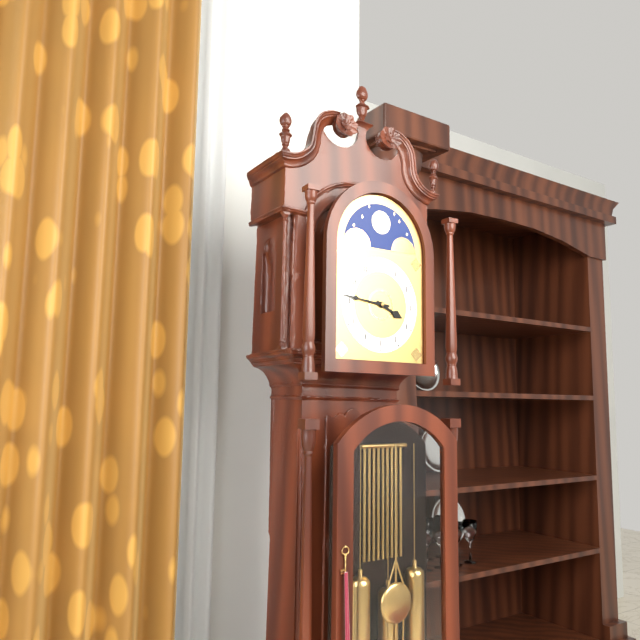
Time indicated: 3:46
